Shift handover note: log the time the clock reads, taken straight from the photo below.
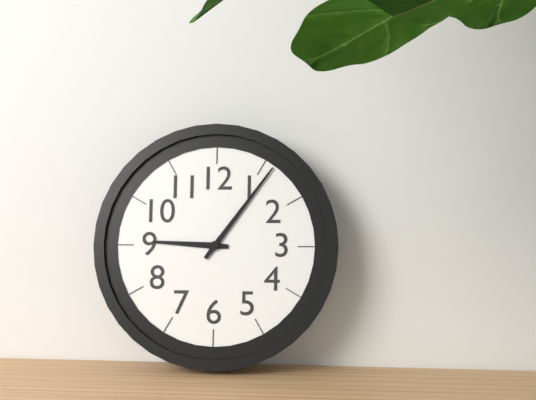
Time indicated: 9:06
